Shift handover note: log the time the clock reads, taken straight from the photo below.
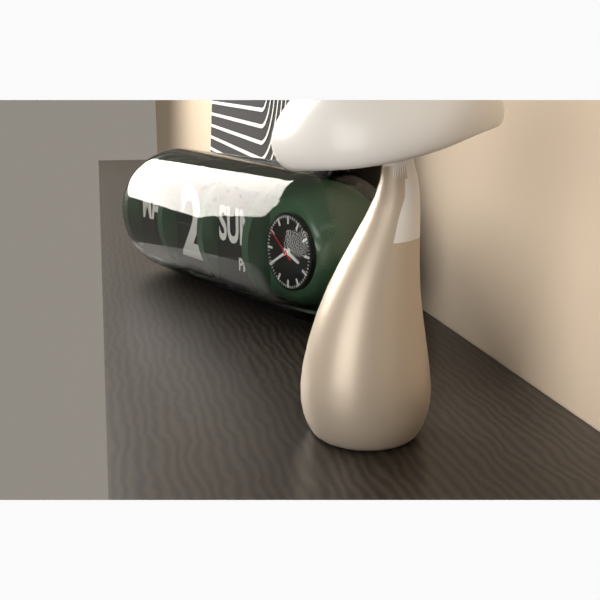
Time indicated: 3:40
